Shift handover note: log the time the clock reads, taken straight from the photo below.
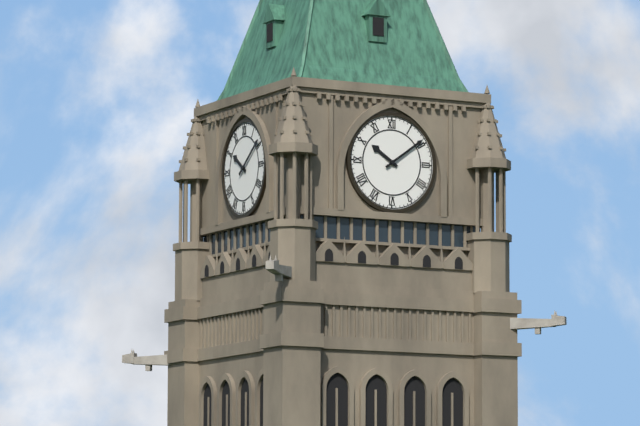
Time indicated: 10:09
